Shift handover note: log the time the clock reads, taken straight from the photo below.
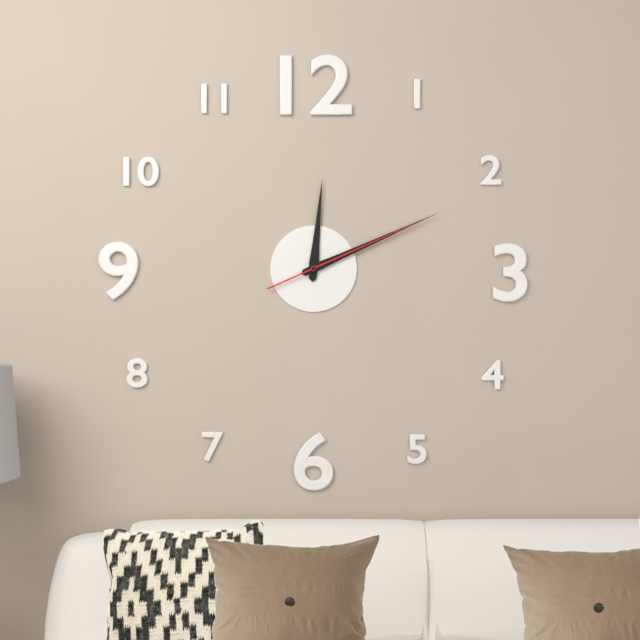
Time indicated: 12:11:11
